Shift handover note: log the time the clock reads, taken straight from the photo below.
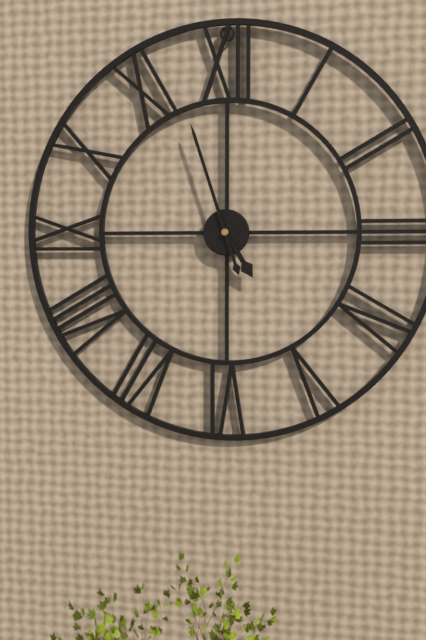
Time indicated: 4:57
